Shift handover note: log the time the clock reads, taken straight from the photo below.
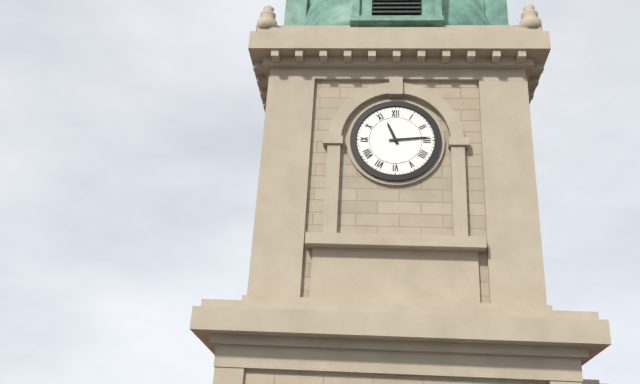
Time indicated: 11:14
